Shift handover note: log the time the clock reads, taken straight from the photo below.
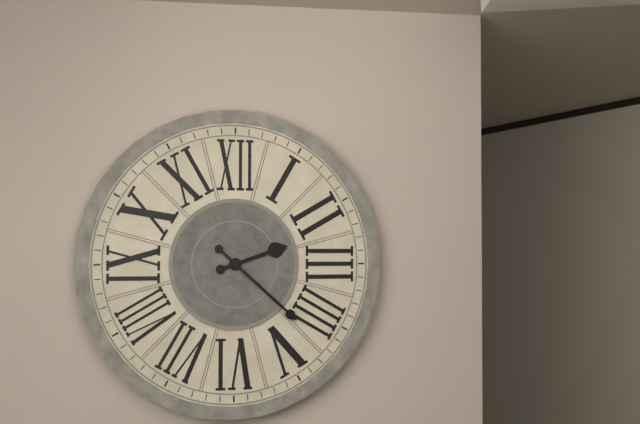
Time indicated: 2:22
